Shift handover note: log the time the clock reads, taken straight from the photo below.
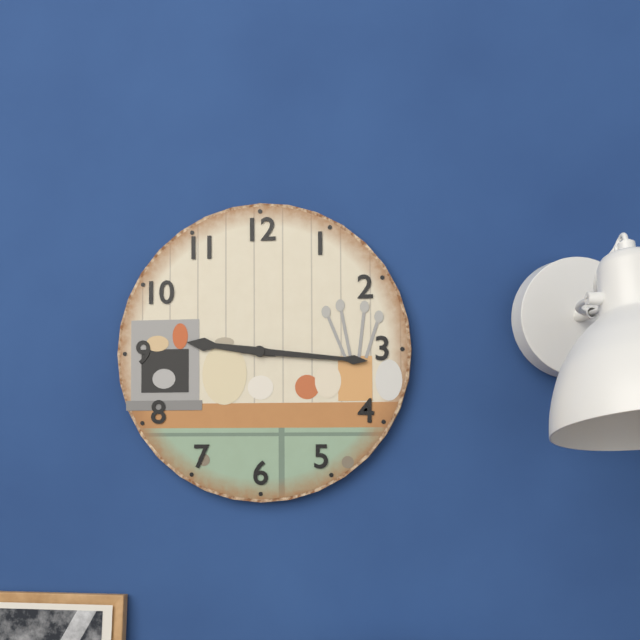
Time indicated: 9:16
